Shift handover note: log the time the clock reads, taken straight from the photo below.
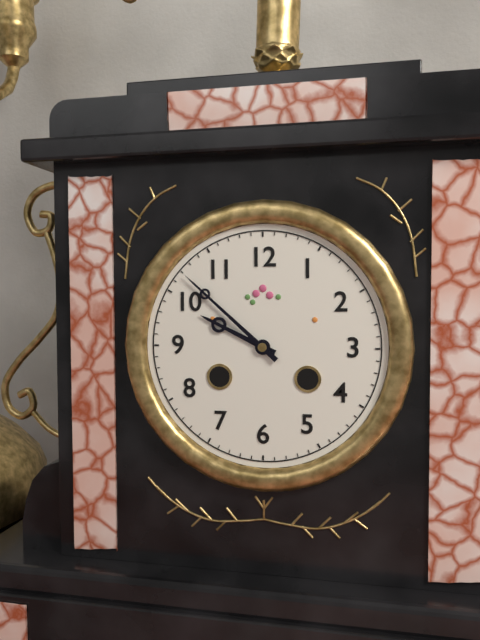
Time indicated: 9:52
